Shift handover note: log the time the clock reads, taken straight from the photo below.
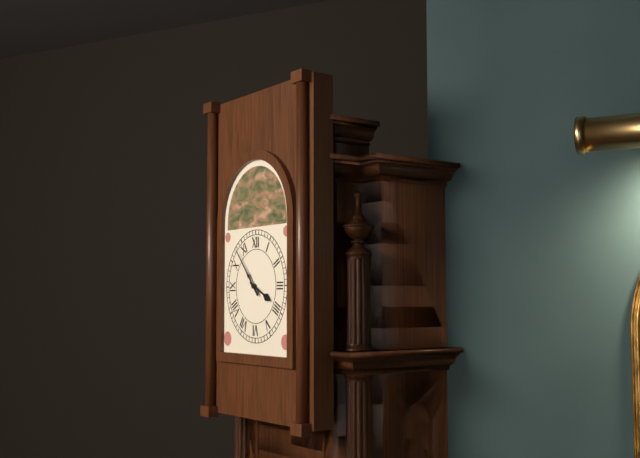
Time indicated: 3:53
